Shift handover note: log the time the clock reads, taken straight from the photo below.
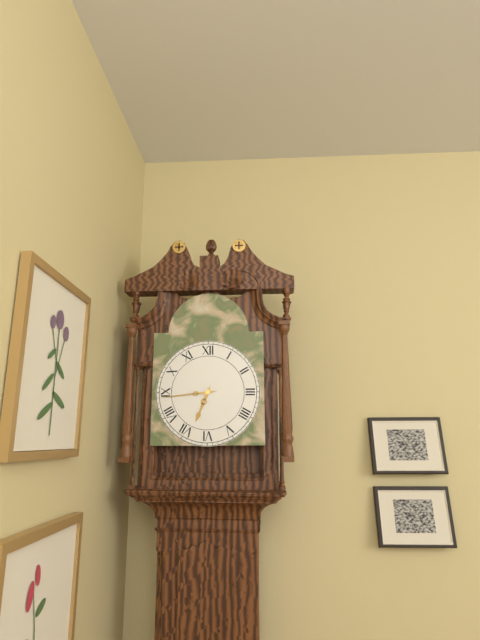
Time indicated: 6:44
